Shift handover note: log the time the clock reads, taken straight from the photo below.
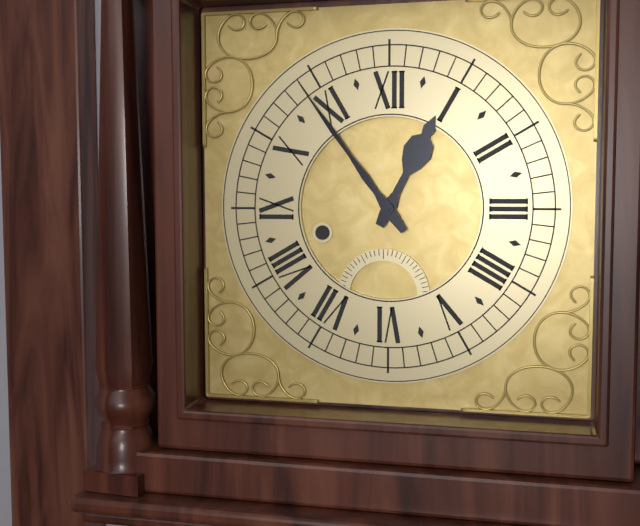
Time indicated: 12:54
